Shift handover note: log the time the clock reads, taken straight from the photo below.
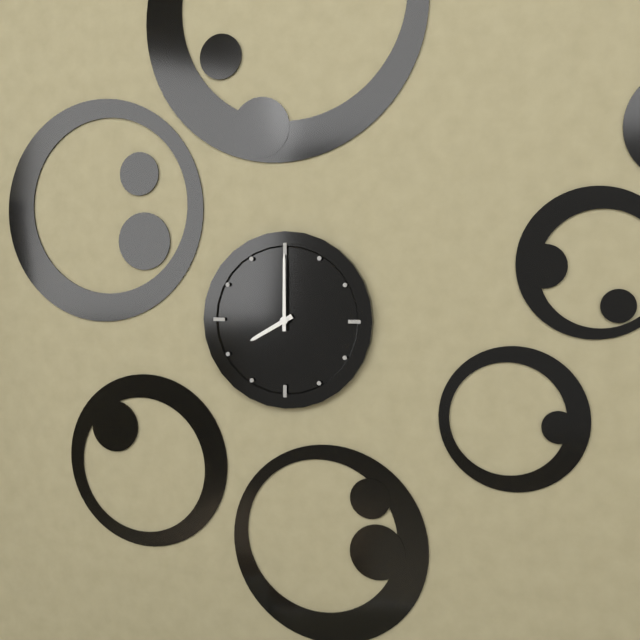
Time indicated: 8:00
